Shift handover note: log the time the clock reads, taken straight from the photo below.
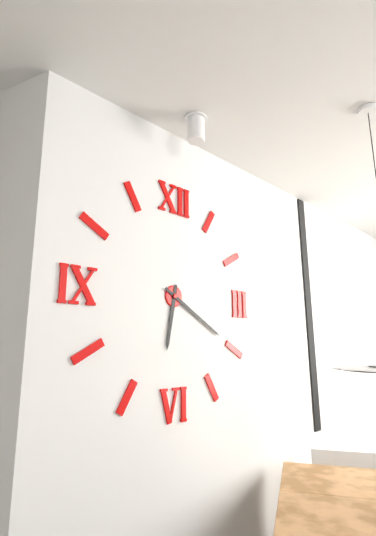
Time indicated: 6:20
